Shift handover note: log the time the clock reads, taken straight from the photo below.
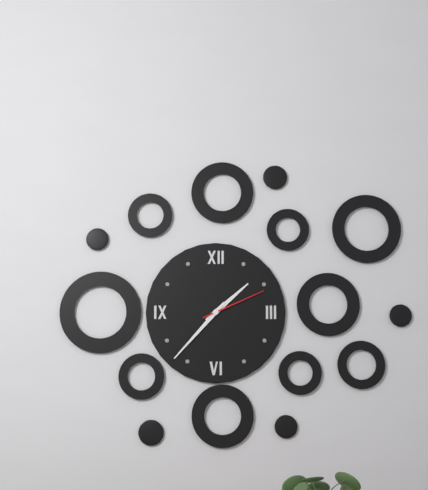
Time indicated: 1:37:11
